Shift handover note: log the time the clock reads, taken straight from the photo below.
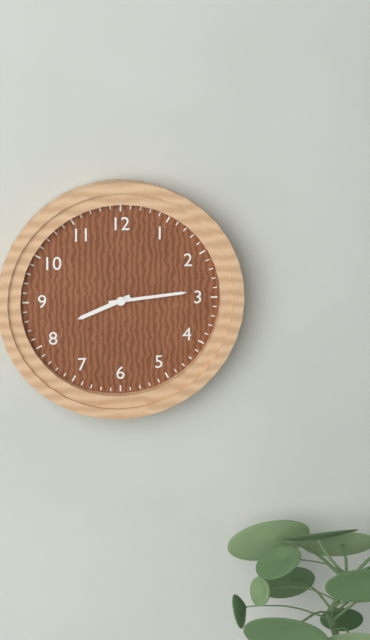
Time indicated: 8:14
